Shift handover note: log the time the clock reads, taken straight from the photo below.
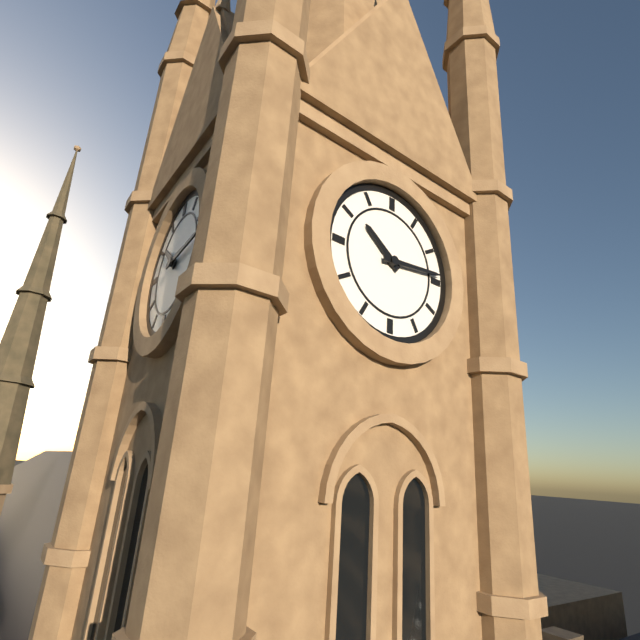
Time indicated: 10:14
